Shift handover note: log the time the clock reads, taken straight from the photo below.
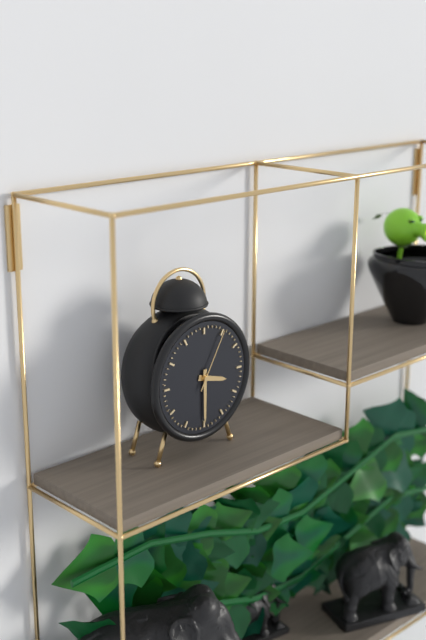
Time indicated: 3:30:05
